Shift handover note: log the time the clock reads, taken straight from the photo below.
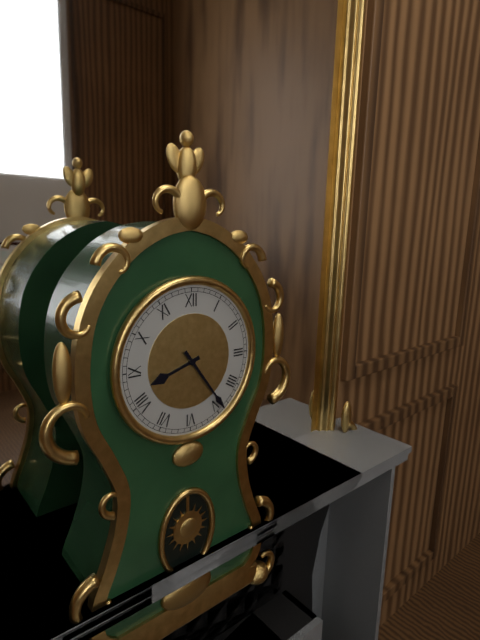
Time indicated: 8:24
